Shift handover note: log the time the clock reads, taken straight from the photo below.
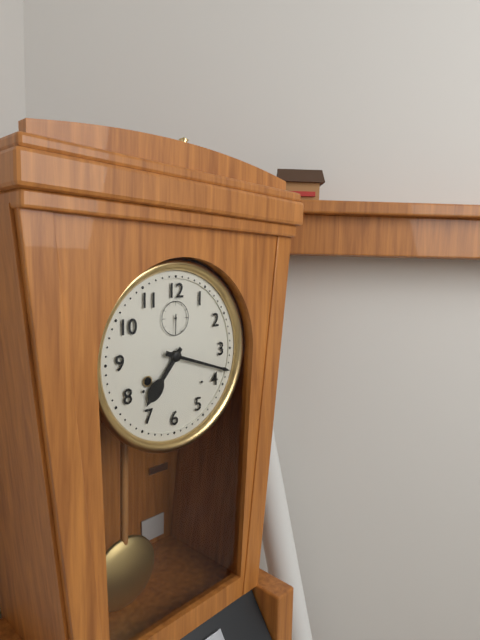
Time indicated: 7:18
